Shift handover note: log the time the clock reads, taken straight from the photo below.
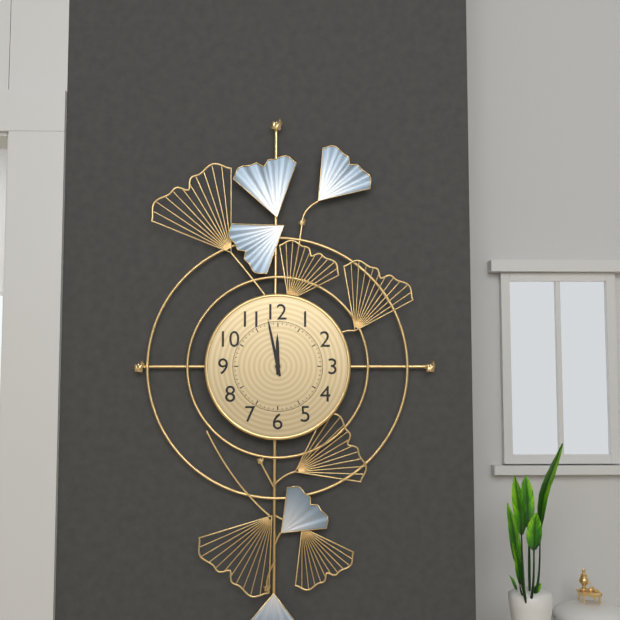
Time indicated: 11:58
